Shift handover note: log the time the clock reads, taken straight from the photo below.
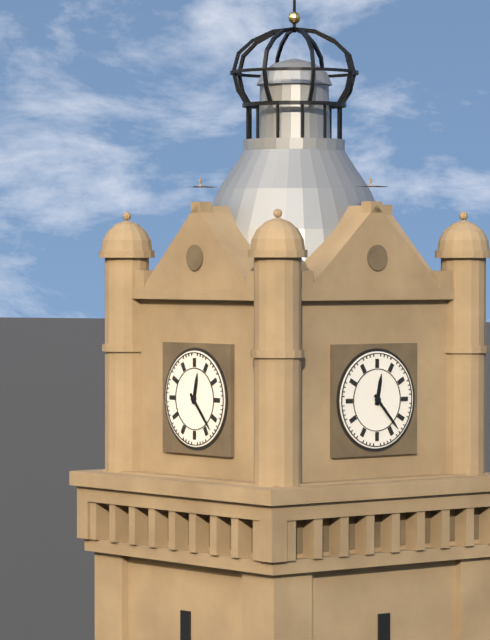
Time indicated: 12:23
